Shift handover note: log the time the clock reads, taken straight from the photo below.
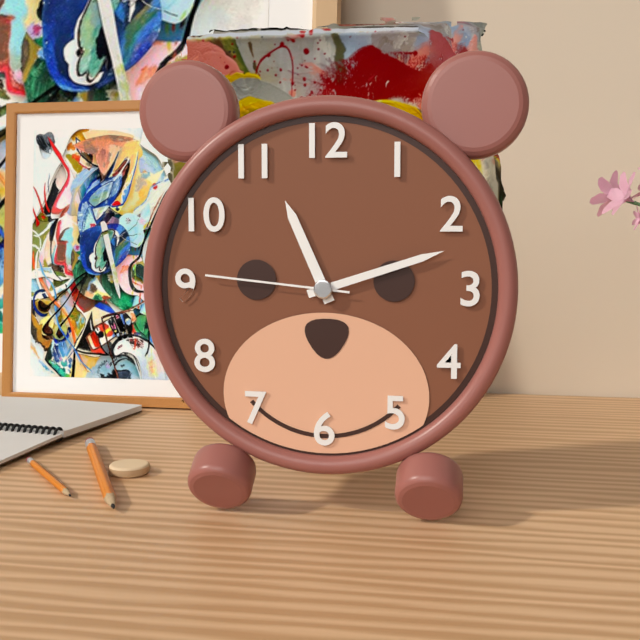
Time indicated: 11:12:46
